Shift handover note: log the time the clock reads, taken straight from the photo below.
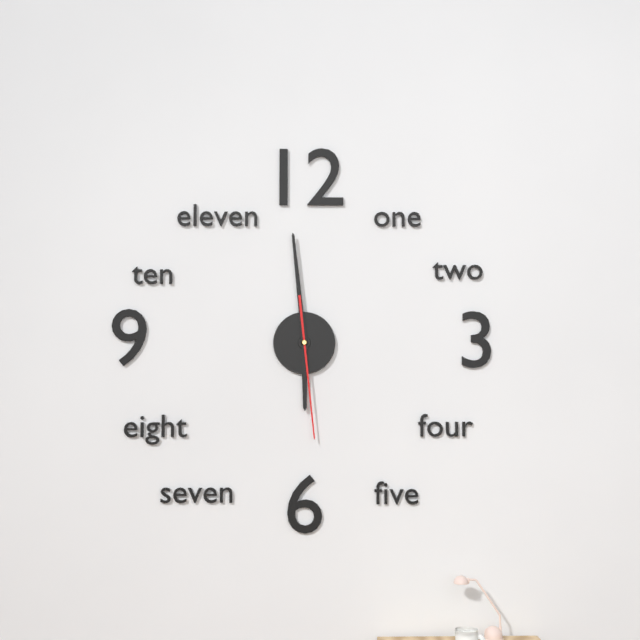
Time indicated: 5:59:29
